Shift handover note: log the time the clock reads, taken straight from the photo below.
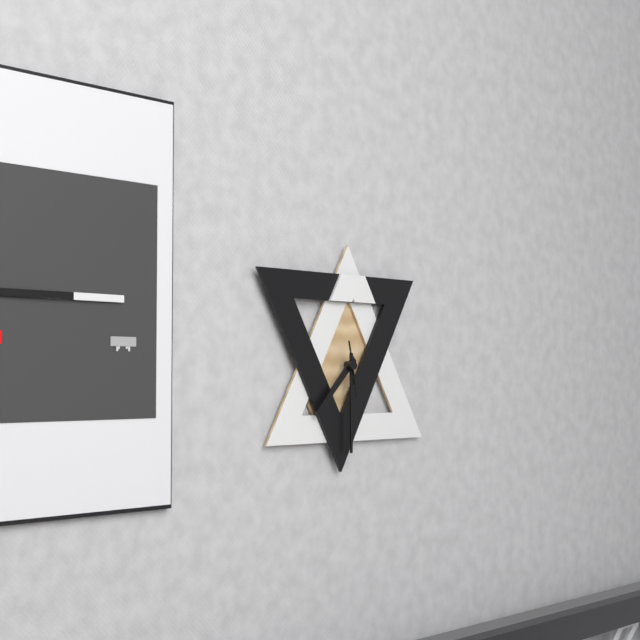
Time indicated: 7:30
